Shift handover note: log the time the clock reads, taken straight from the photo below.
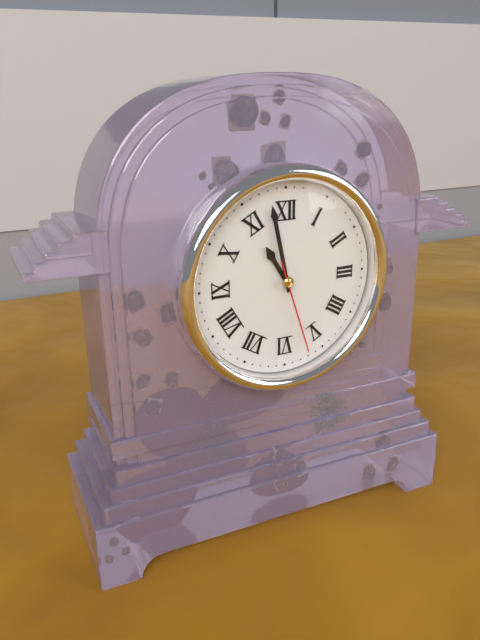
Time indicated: 10:58:27
